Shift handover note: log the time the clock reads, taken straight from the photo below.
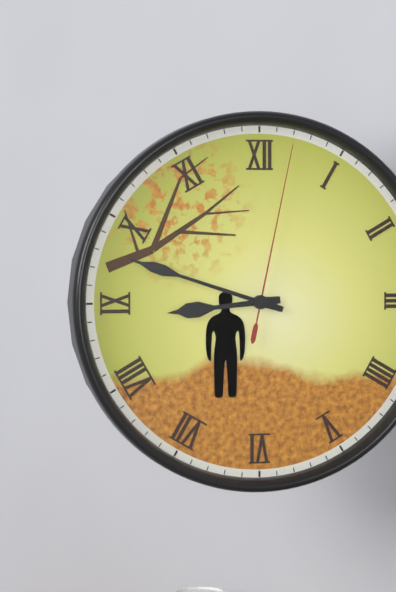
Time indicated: 8:48:02
